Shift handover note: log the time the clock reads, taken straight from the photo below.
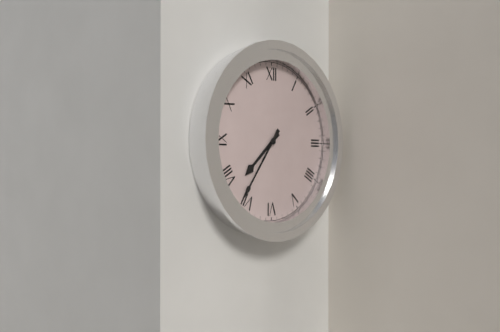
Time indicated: 7:36
